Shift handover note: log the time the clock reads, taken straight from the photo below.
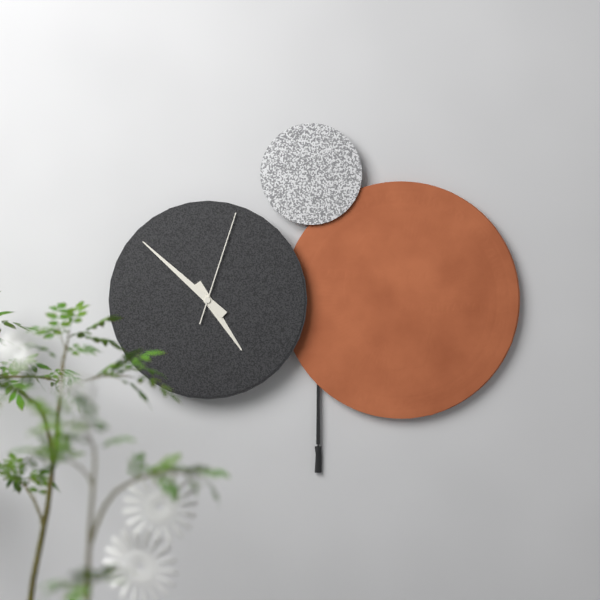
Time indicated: 4:52:03
